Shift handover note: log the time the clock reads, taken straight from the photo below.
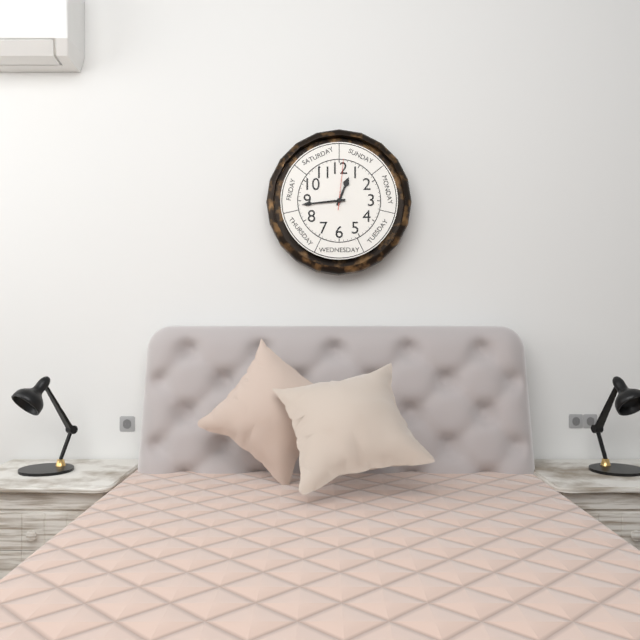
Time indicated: 12:44:01
